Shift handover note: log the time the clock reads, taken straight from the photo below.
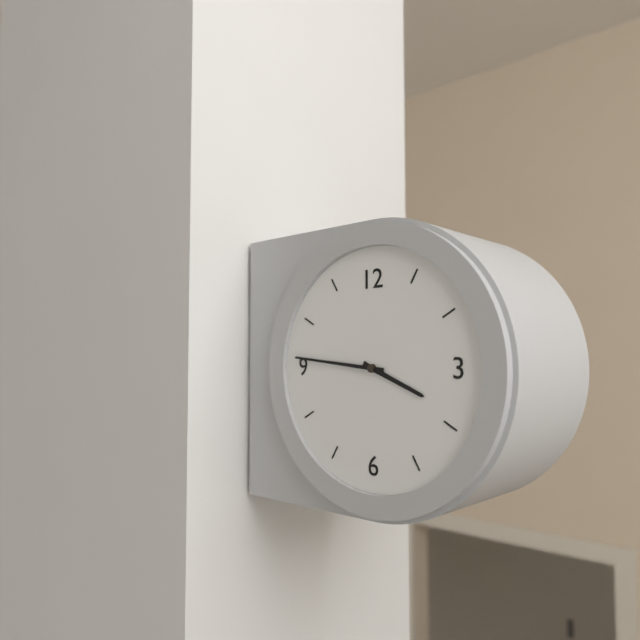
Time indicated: 3:46
